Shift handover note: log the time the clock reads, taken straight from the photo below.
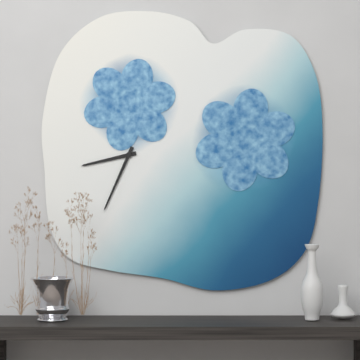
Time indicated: 8:34
